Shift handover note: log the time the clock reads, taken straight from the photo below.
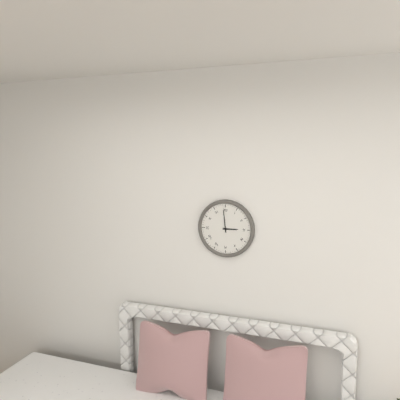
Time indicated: 2:59
